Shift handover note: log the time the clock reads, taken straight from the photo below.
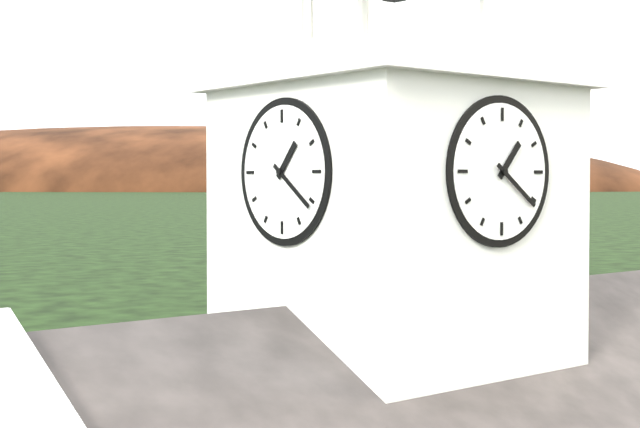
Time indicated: 1:21
